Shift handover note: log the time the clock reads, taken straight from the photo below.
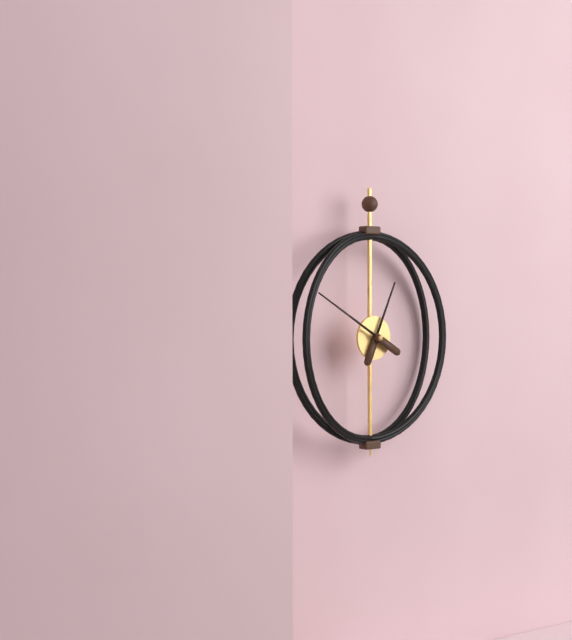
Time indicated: 12:50
